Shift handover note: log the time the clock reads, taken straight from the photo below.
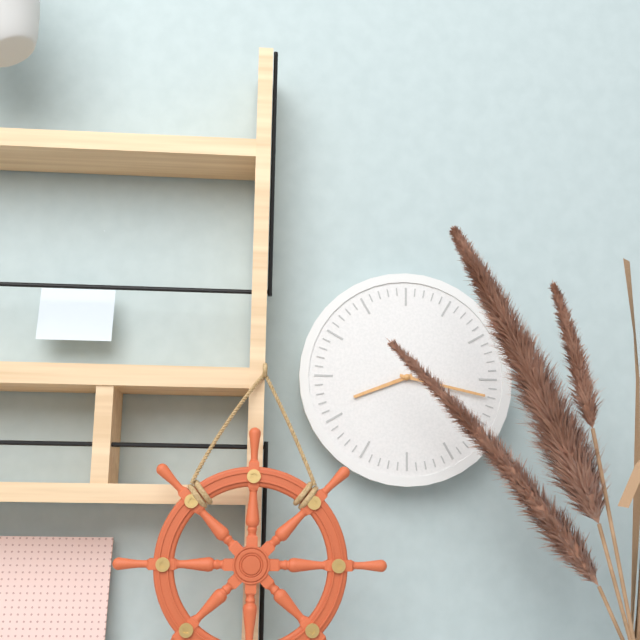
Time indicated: 8:17
